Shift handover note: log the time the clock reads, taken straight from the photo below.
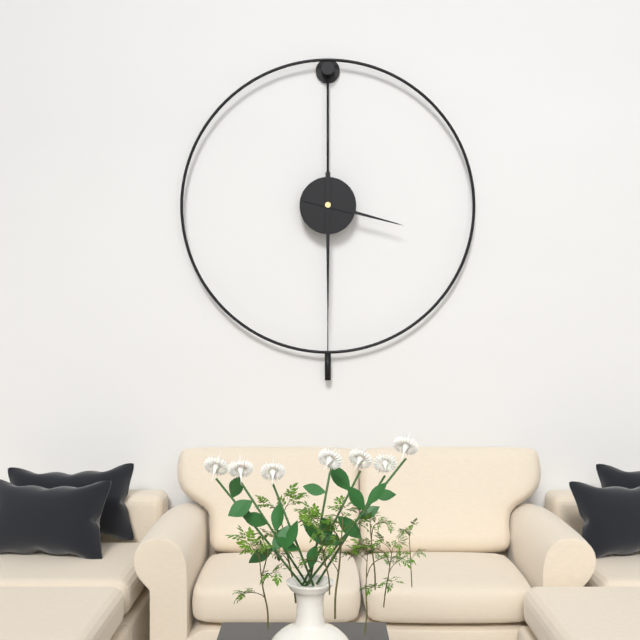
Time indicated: 3:30
